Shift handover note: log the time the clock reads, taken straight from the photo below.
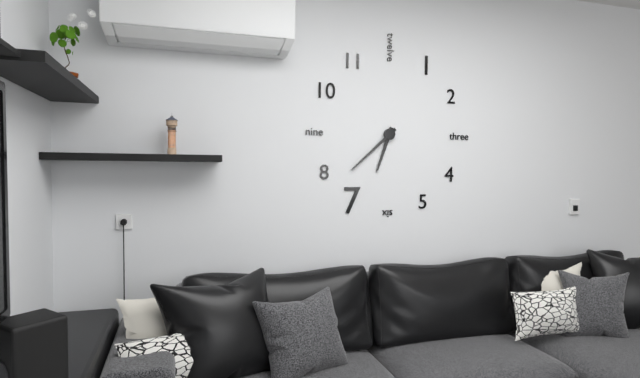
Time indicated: 6:38
